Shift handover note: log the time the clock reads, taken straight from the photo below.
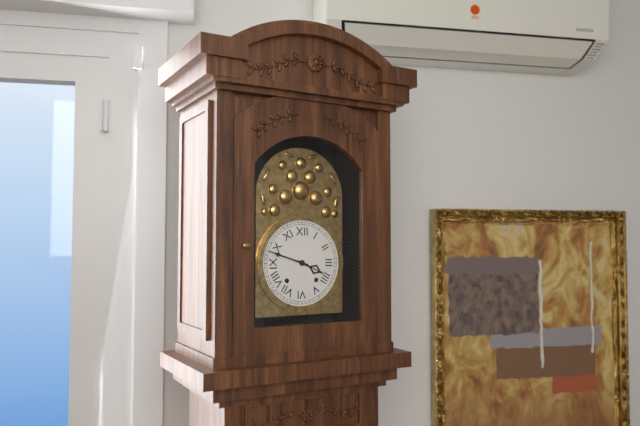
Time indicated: 3:48
